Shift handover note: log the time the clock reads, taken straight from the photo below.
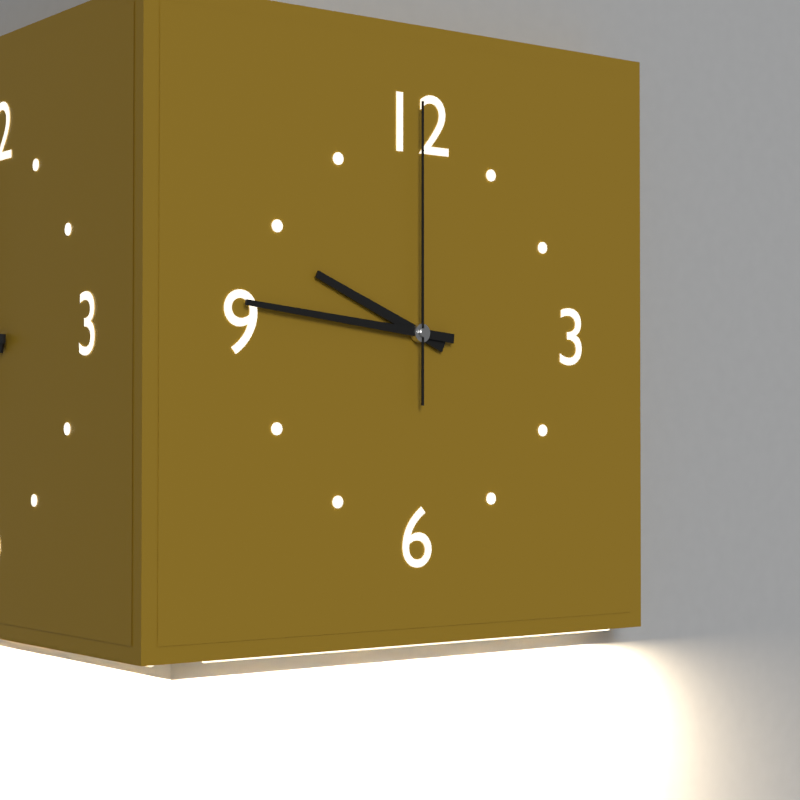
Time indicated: 9:46:00
